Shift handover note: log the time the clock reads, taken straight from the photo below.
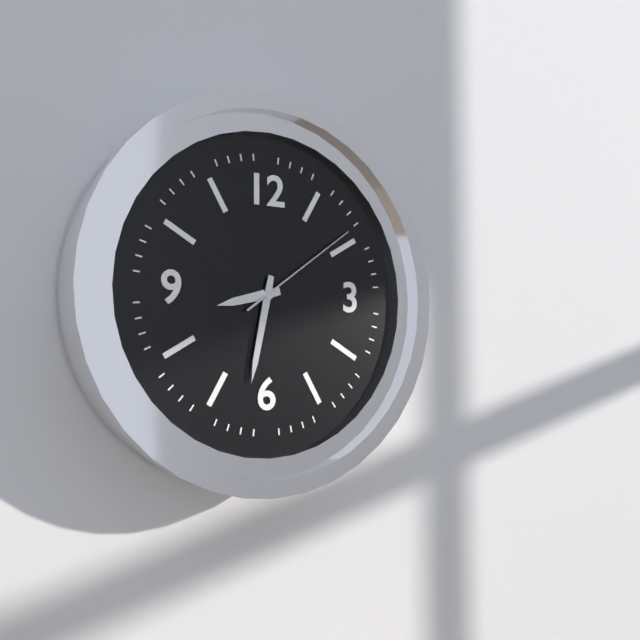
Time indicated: 8:32:09
